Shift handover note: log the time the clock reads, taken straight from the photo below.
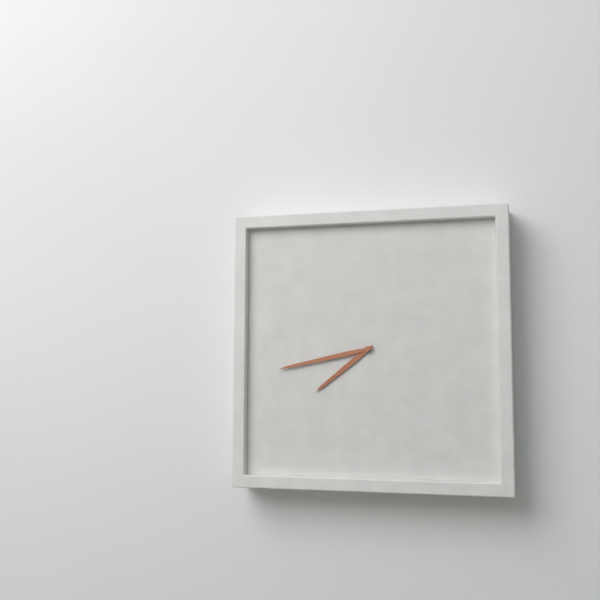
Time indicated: 7:43
